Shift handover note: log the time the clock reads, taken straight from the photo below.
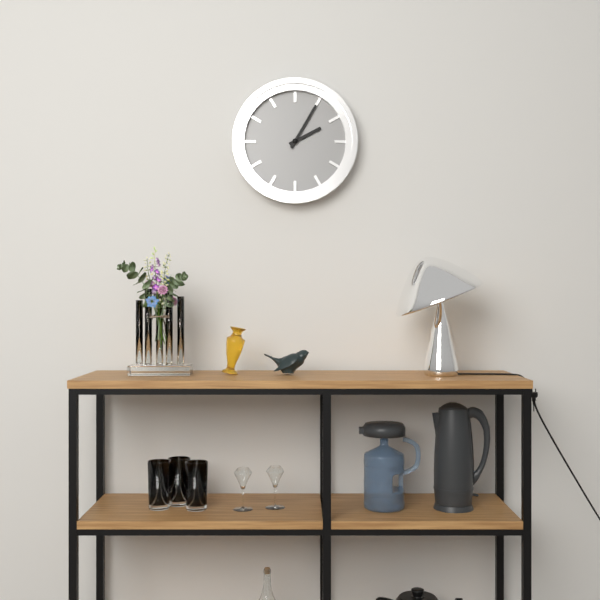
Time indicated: 2:05
